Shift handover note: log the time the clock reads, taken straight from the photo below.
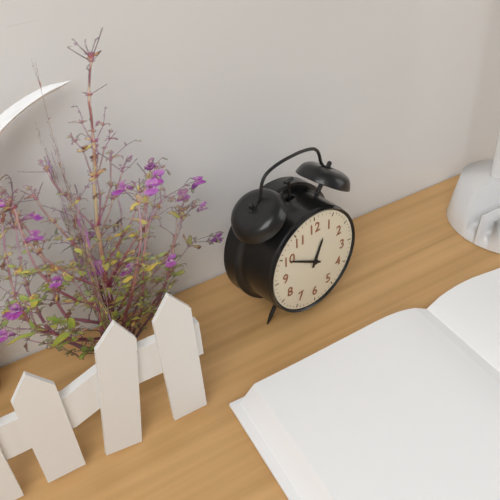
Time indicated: 12:50
